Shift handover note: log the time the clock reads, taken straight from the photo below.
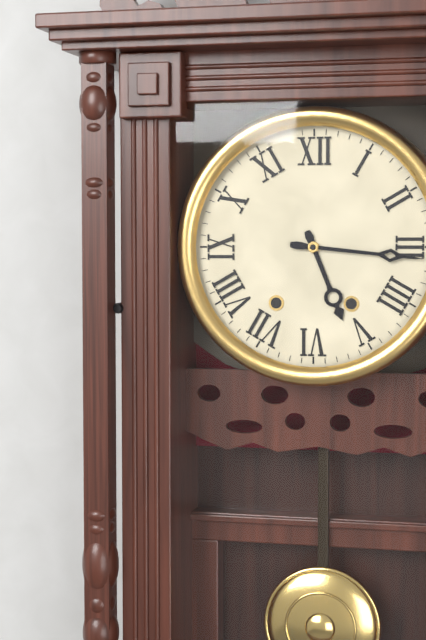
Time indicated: 5:16
